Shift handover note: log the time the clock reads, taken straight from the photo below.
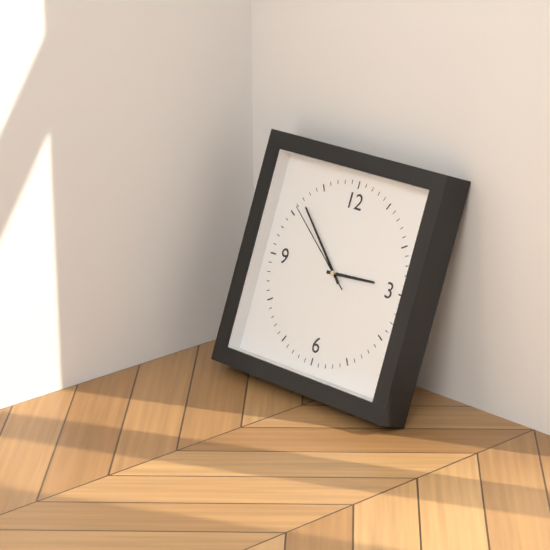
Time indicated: 2:52:51
